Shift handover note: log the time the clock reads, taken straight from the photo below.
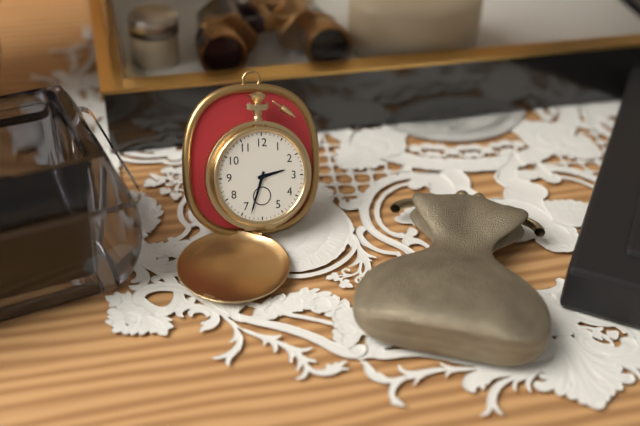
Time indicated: 2:33
